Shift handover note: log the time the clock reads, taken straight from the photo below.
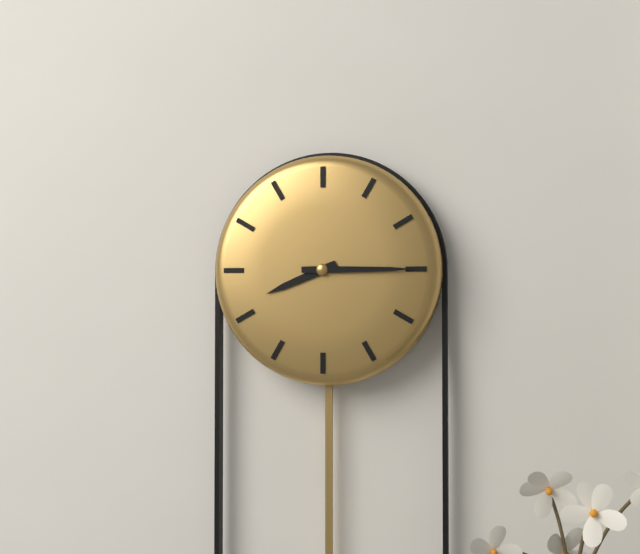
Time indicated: 8:15
